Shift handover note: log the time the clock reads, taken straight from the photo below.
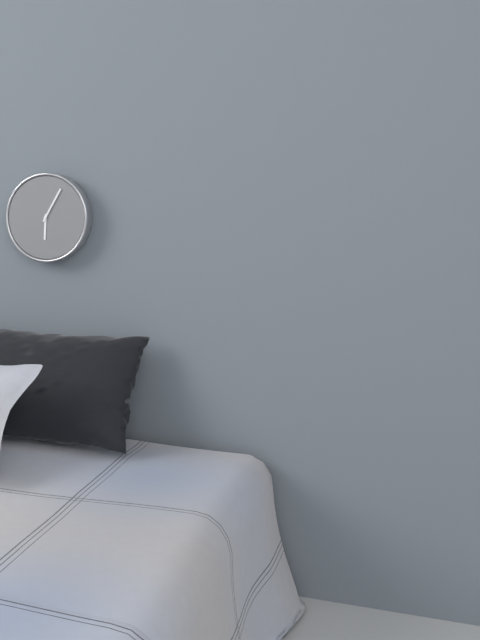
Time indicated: 6:05
